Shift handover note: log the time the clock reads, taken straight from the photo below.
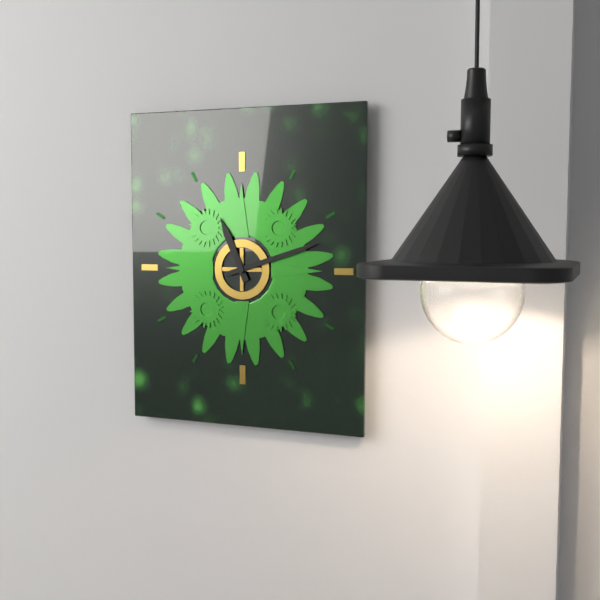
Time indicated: 11:12
